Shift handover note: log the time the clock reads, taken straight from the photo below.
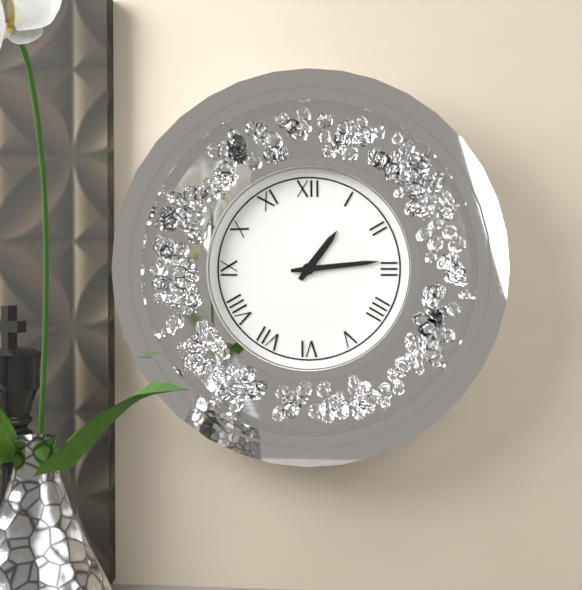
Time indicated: 1:14
